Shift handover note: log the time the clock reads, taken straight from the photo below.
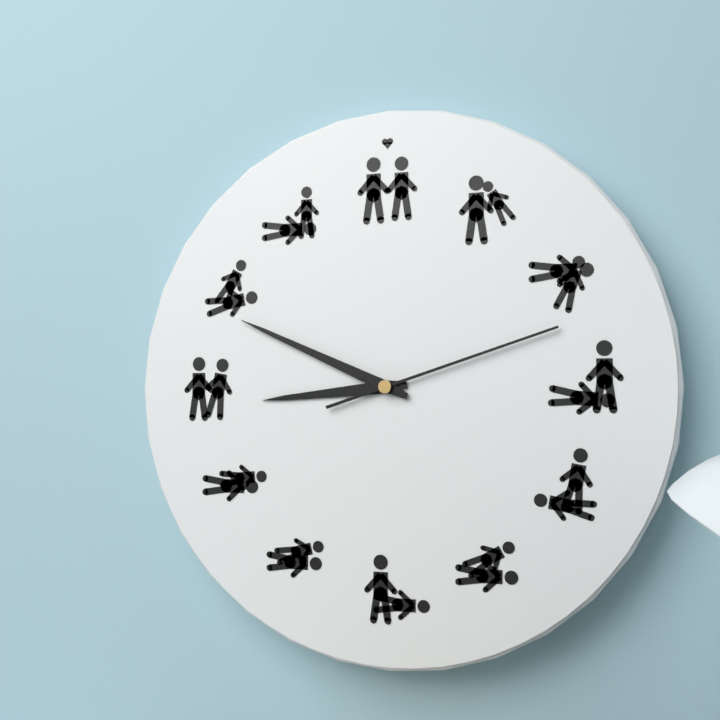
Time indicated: 8:49:12
